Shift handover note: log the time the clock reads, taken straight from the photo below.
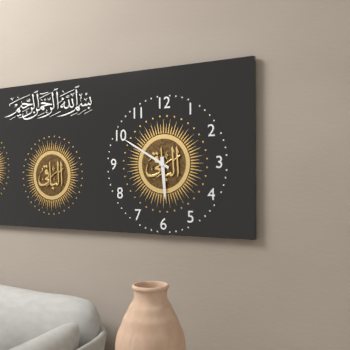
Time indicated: 5:50
